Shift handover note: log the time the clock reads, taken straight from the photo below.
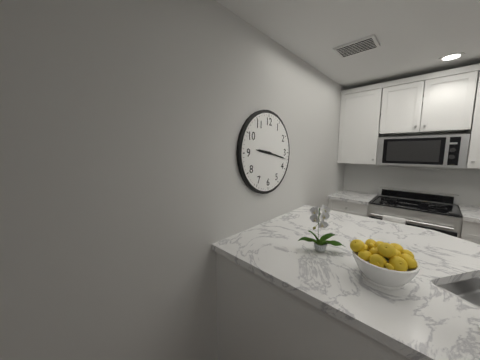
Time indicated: 9:17
